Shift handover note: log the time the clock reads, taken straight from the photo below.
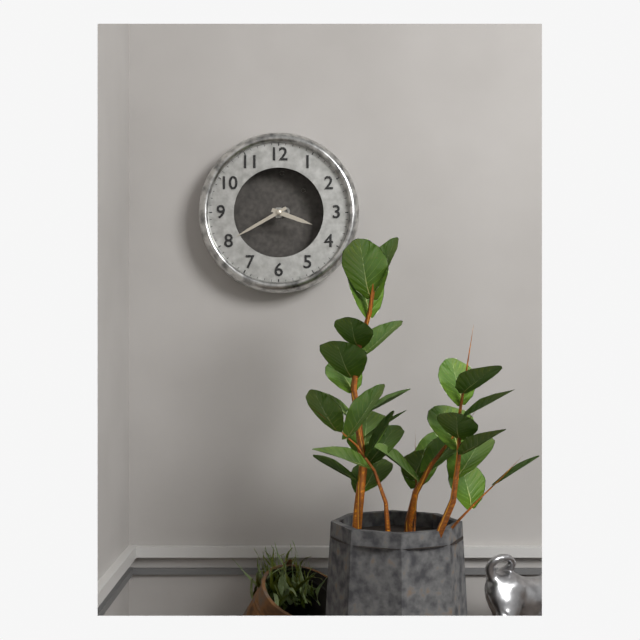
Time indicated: 3:40
